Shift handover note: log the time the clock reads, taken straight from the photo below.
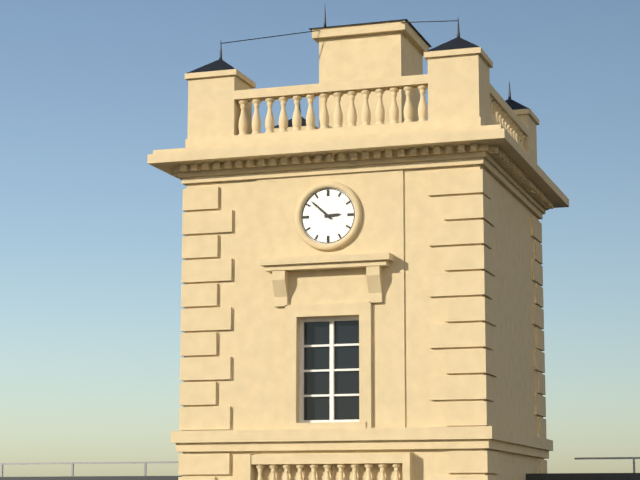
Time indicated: 2:52
